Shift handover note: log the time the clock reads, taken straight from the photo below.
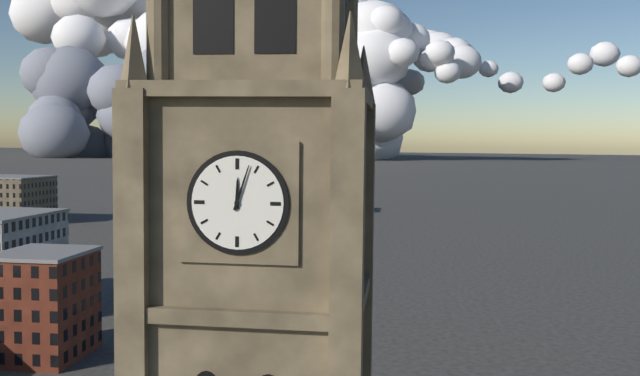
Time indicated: 12:03
